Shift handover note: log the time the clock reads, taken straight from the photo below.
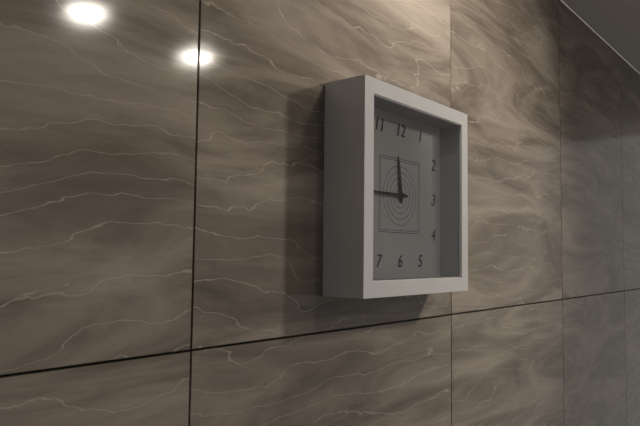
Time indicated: 11:45
